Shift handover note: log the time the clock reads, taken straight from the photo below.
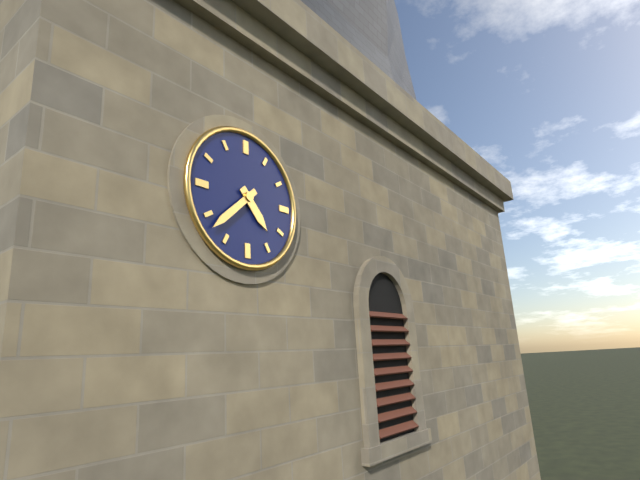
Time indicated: 4:38
